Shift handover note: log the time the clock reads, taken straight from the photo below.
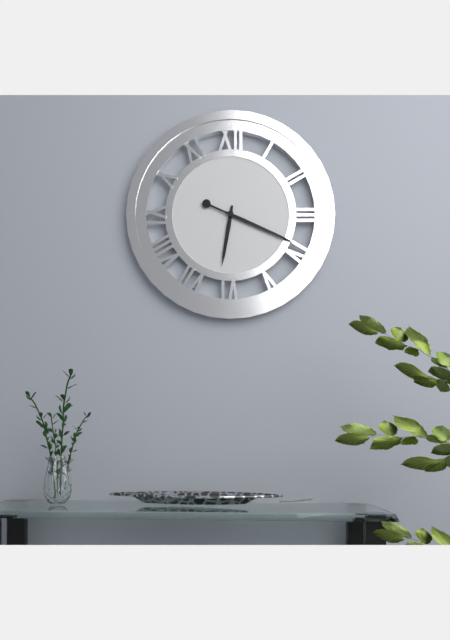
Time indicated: 6:19
